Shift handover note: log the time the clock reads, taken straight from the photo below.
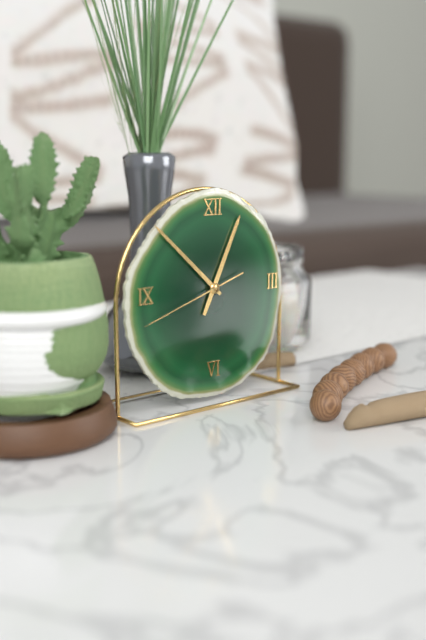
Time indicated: 12:52:42
